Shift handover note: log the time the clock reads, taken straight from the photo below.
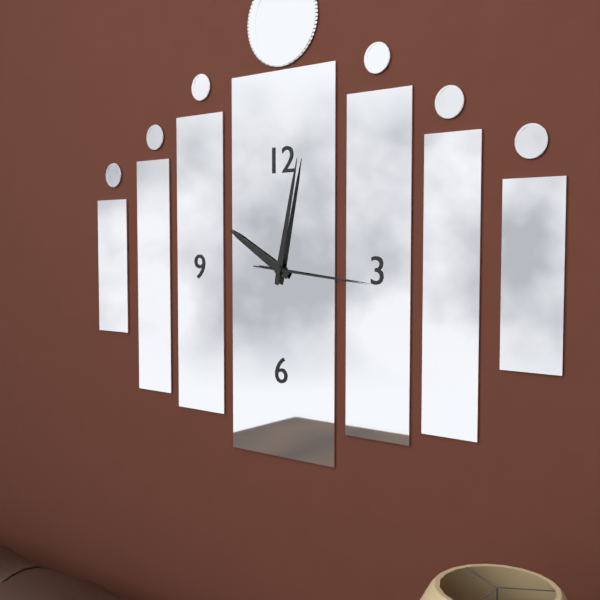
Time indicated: 10:02:16
